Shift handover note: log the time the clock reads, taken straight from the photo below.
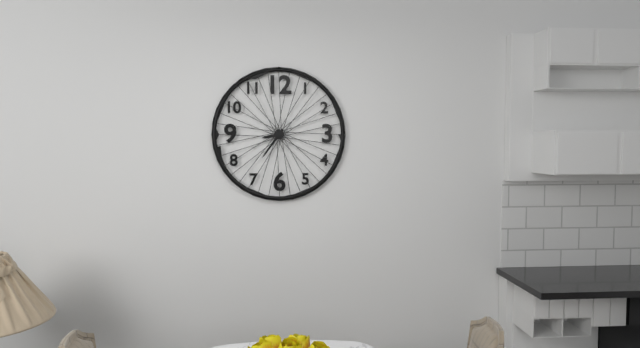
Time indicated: 8:36
